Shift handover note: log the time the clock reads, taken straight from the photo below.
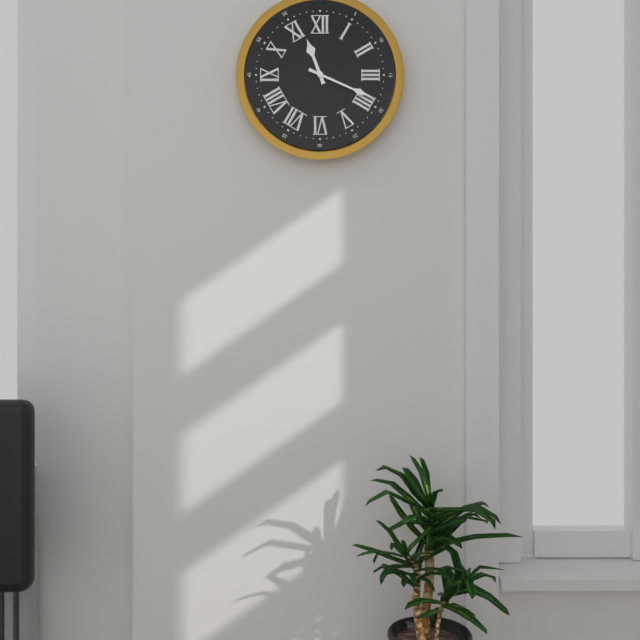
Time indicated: 11:19
